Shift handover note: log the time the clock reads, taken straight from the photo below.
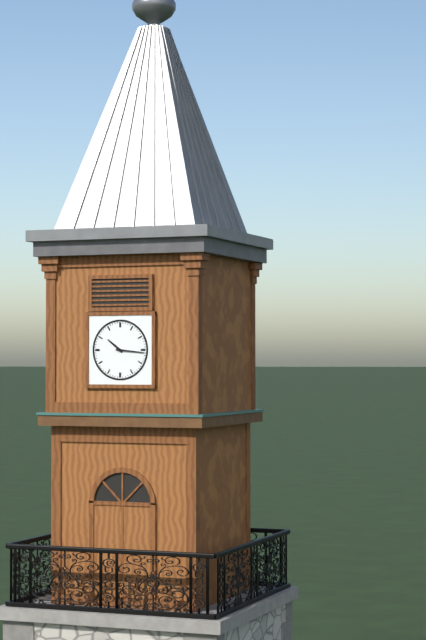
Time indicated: 10:16
